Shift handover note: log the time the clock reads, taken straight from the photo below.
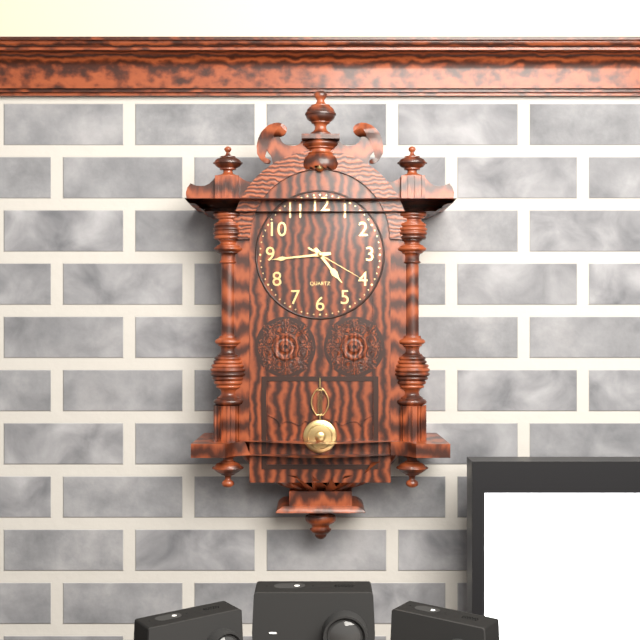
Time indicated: 4:44:20
